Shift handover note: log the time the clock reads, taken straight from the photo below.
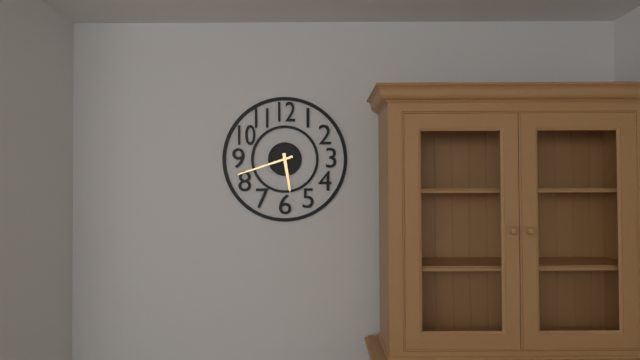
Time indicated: 5:42
